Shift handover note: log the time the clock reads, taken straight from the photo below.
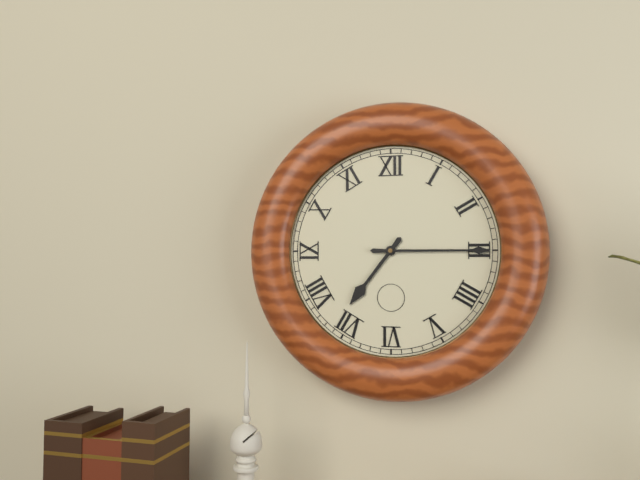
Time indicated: 7:15
